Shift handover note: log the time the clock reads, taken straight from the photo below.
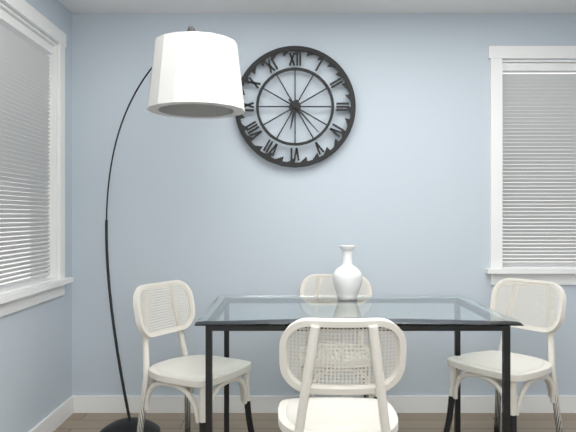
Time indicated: 6:23
